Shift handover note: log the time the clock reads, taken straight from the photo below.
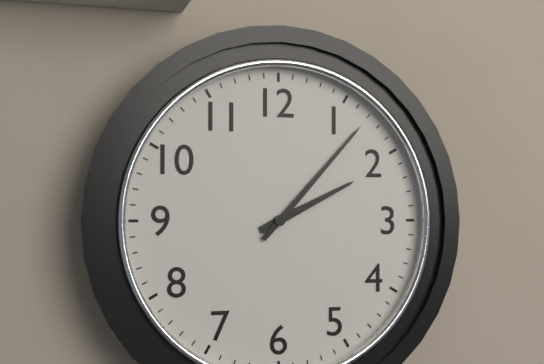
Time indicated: 2:07
